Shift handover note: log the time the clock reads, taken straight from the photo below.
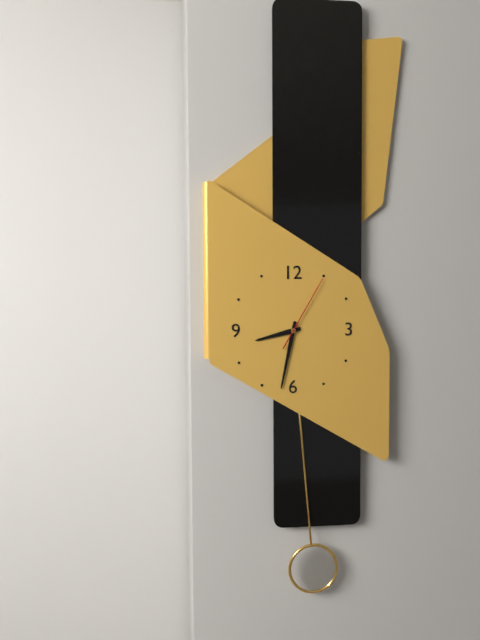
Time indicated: 8:32:05
